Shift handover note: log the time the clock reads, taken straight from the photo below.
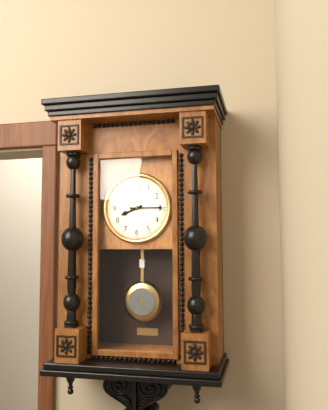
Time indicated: 8:15
